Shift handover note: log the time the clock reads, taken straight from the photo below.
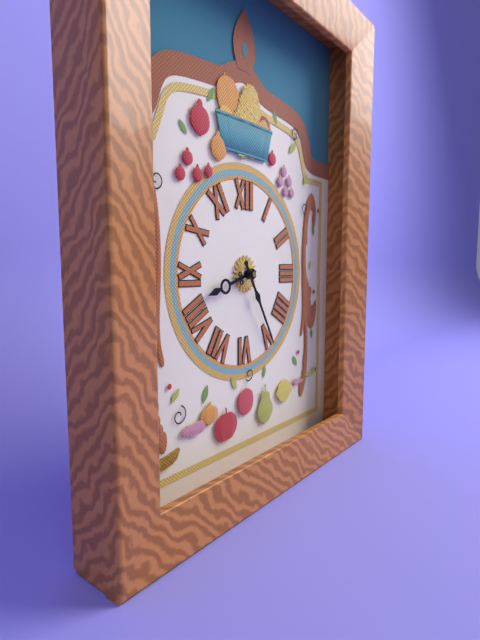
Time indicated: 8:25
